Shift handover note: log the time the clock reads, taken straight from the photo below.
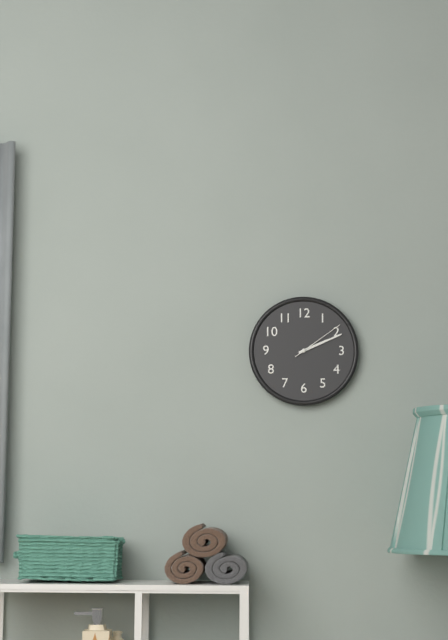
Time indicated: 2:11:09
